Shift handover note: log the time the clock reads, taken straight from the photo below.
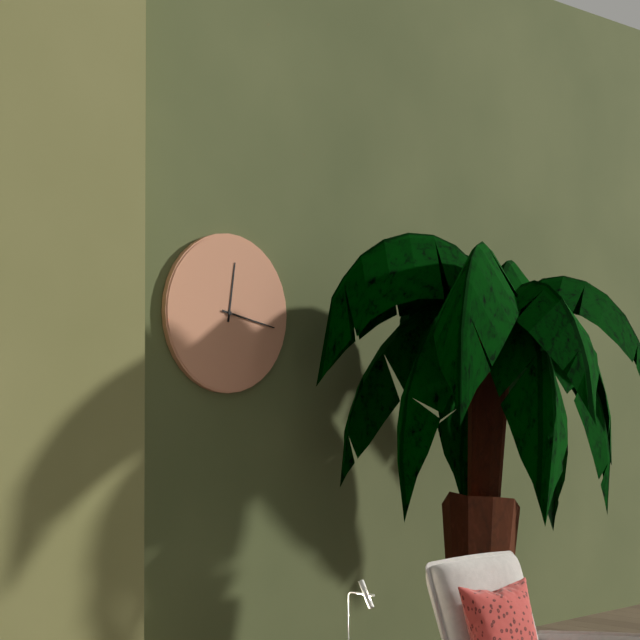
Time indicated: 12:17
